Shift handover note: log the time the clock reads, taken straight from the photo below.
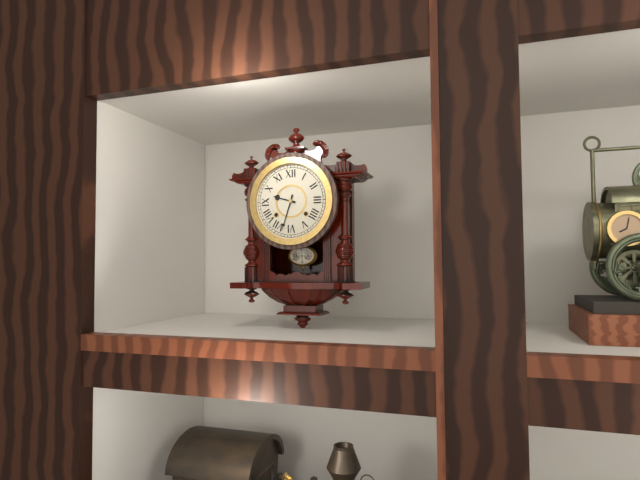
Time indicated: 9:33
